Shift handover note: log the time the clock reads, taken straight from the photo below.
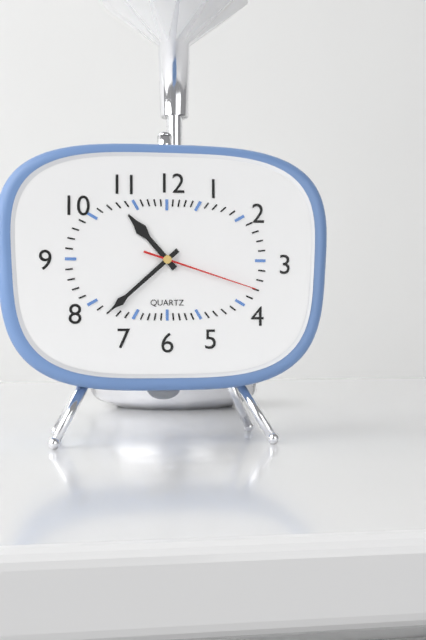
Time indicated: 10:38:18
